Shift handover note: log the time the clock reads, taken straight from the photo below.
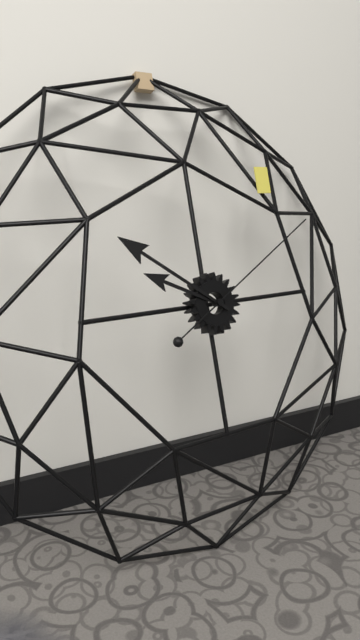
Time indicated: 9:51:10
